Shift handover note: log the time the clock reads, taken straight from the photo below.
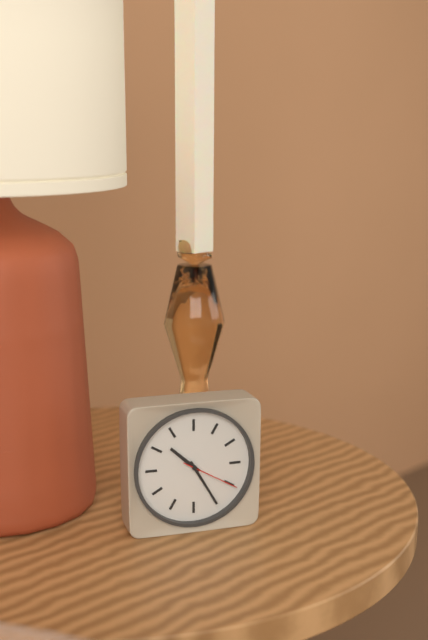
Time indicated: 10:25:20
